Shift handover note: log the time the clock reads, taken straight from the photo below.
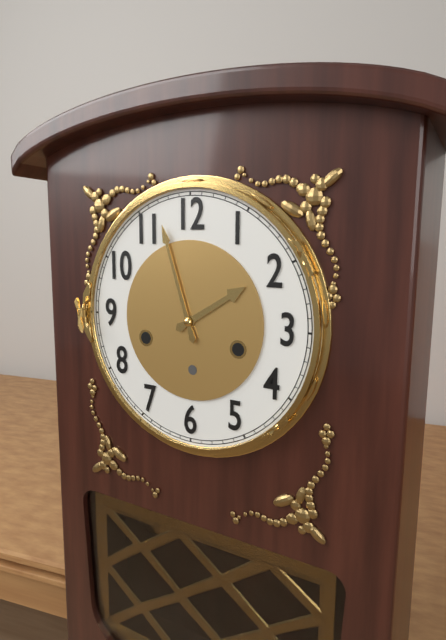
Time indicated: 1:57
